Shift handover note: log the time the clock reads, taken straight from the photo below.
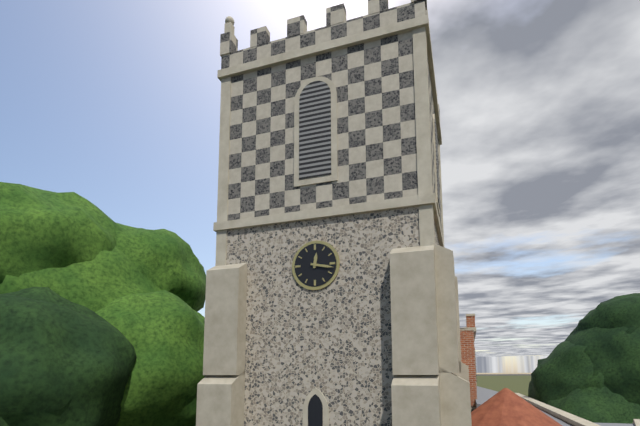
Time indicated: 12:17
